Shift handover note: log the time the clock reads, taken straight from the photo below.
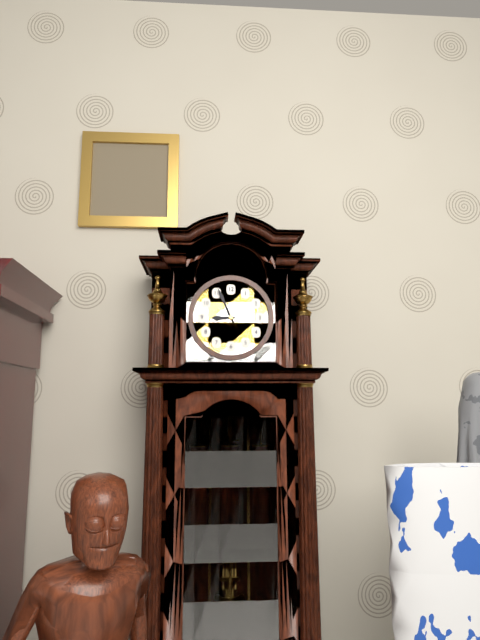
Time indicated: 8:56
